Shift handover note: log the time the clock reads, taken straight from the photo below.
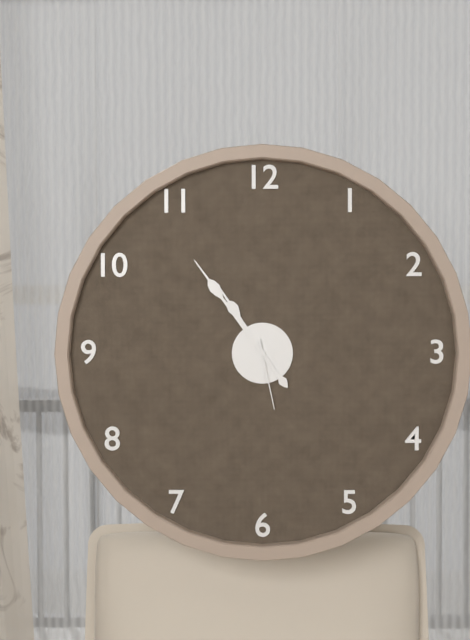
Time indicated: 10:54:28
